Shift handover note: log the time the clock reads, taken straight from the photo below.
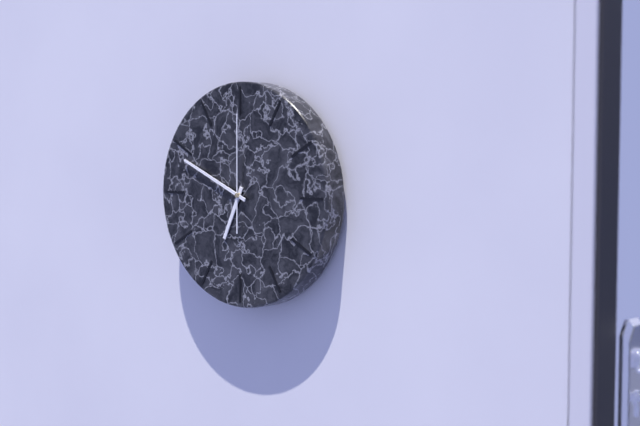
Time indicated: 6:49:00
